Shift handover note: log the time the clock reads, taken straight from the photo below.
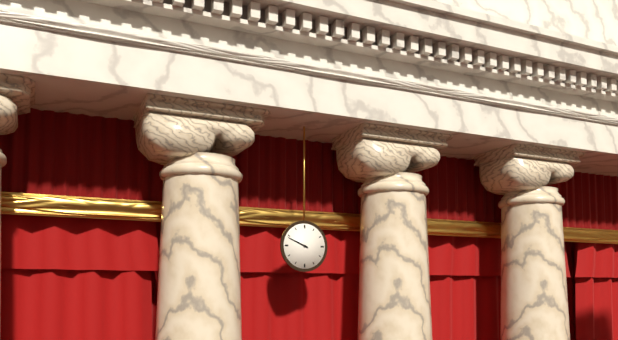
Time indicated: 9:49
